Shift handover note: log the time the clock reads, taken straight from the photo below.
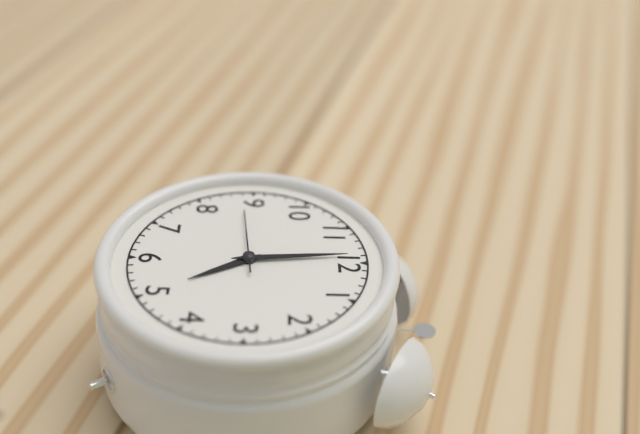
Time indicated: 4:59:44
